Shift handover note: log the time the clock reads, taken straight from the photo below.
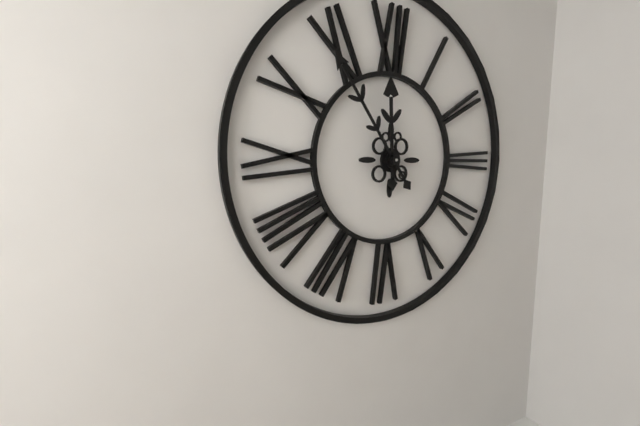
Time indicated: 11:54
